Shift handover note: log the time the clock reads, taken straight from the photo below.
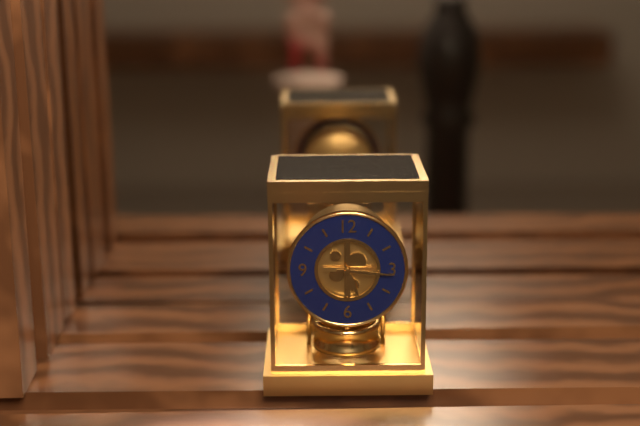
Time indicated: 5:16
